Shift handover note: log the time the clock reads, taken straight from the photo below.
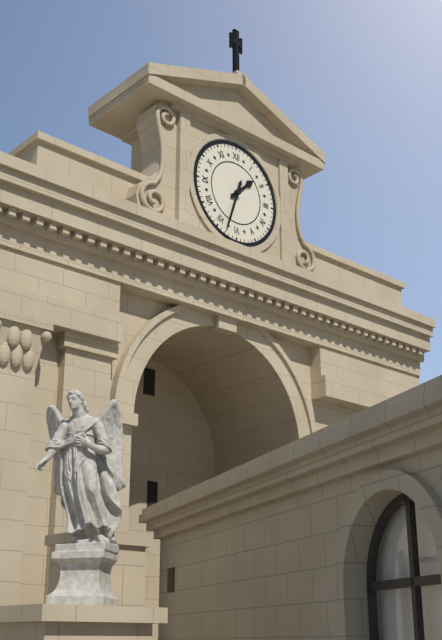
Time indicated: 1:33
